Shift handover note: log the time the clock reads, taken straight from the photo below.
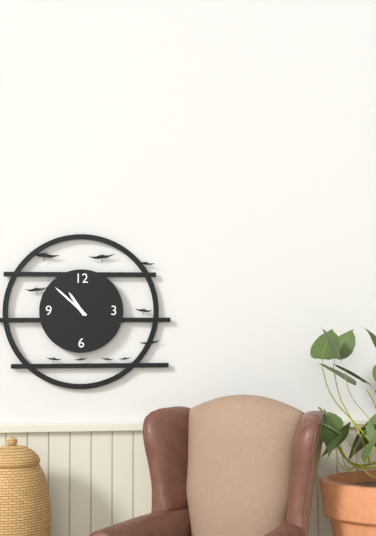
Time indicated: 10:52
